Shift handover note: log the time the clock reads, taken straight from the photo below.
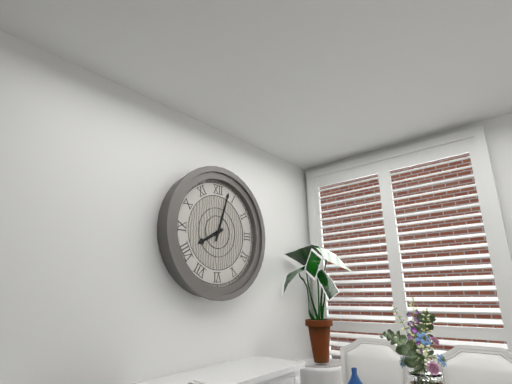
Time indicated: 8:03
